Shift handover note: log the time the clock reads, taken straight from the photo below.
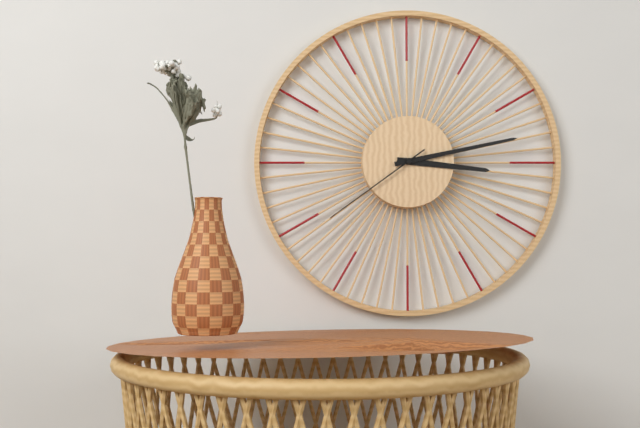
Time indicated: 3:13:39
